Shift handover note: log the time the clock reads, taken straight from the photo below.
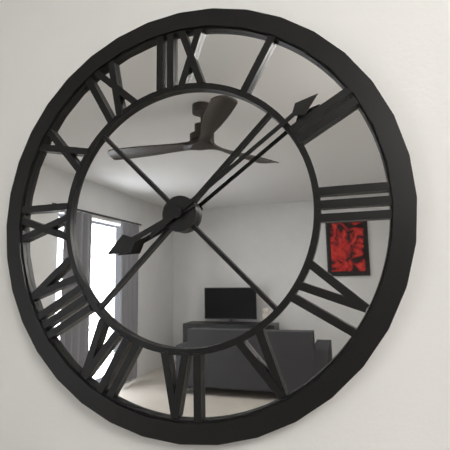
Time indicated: 8:09
